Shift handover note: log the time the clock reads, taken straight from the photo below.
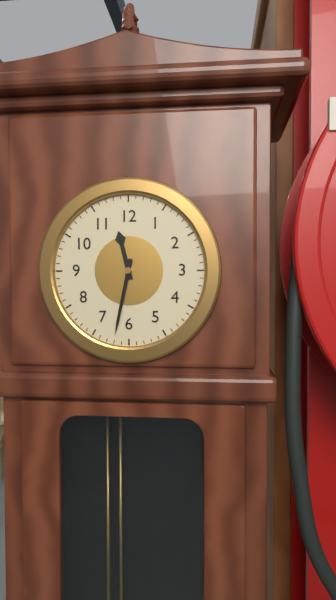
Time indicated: 11:32
